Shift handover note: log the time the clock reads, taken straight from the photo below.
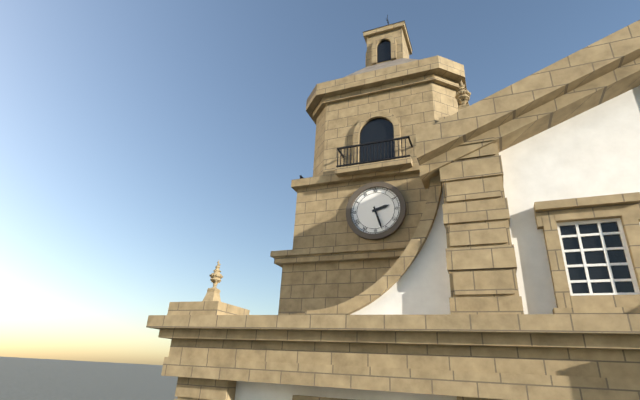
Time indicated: 2:27
